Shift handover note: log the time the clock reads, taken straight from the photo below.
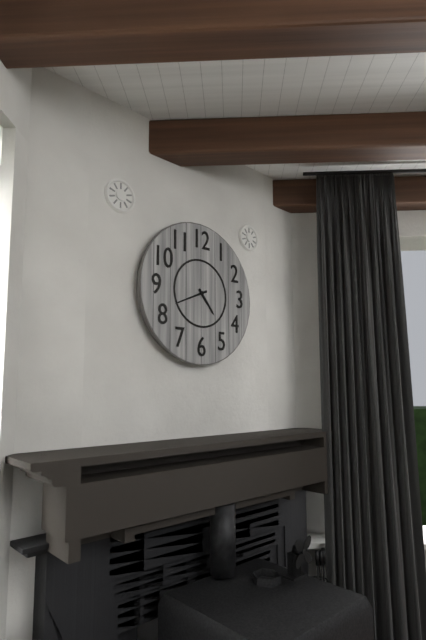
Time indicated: 4:41
